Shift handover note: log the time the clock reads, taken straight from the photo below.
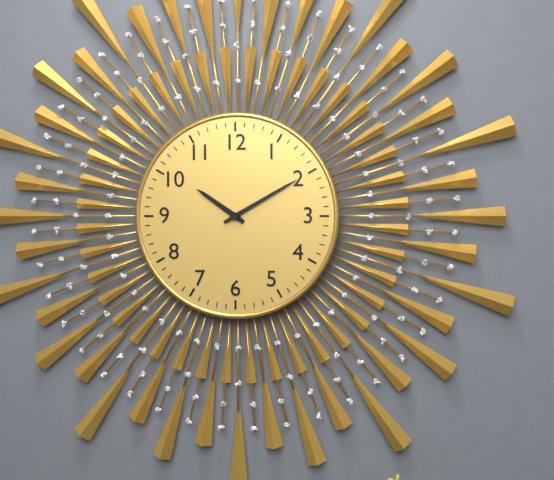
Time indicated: 10:10
